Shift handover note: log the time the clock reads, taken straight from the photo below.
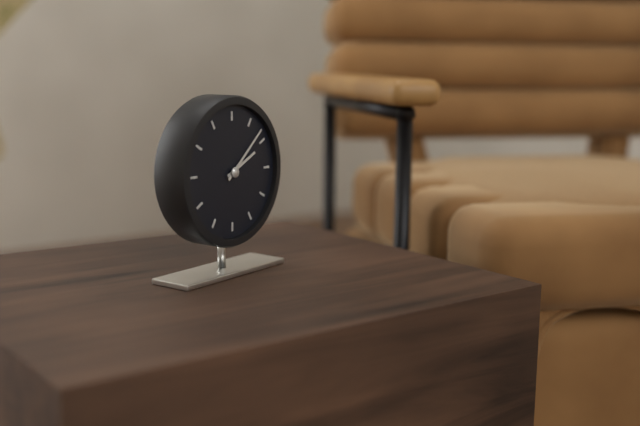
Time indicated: 2:08
